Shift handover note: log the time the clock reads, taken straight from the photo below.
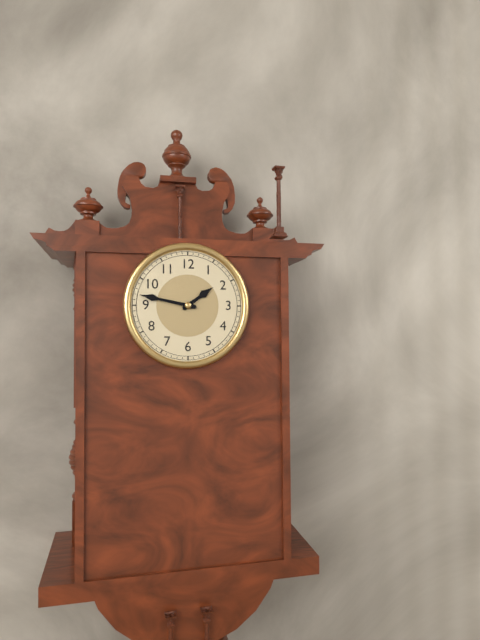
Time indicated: 1:47
